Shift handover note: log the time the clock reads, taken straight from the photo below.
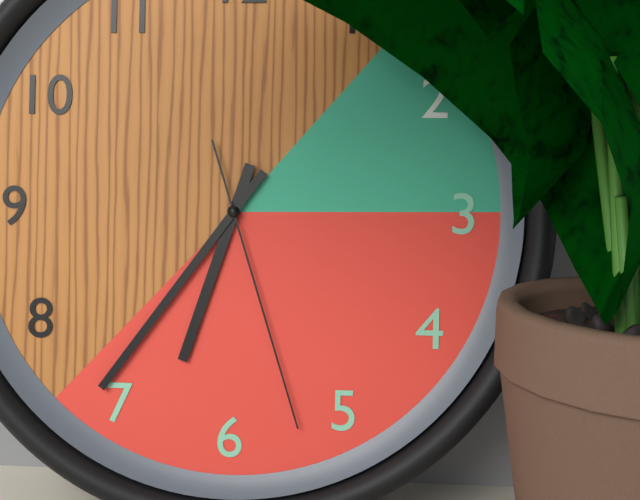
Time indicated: 6:36:27
